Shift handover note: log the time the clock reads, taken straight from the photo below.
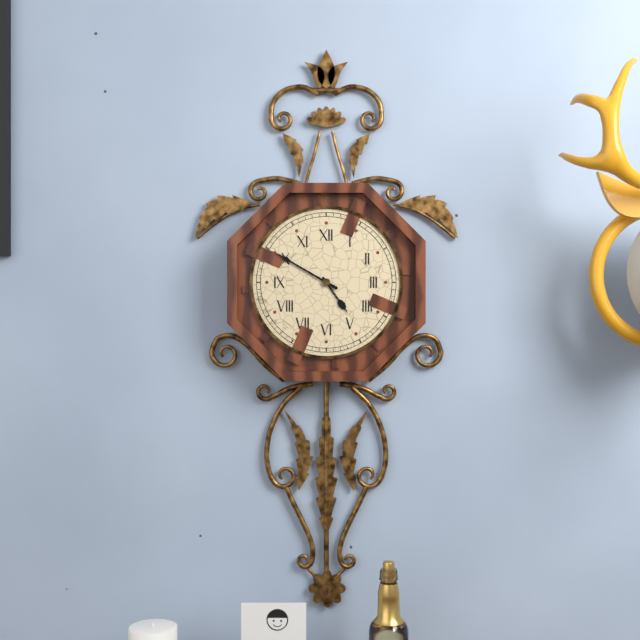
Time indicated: 4:50
